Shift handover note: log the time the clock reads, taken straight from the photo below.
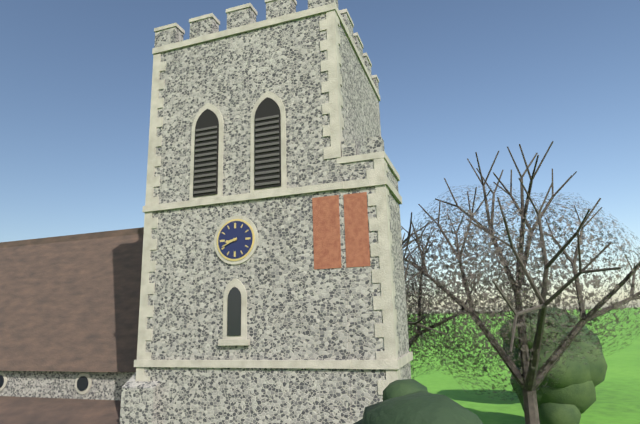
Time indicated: 8:41
